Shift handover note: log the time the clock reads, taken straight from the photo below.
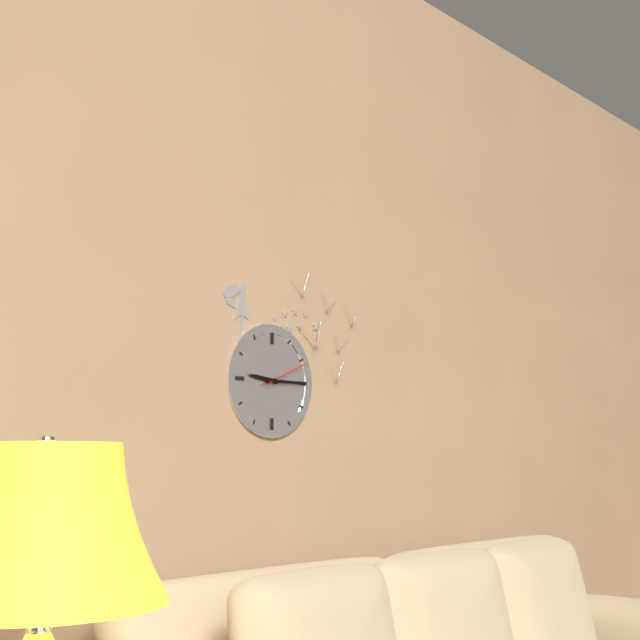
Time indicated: 9:15
